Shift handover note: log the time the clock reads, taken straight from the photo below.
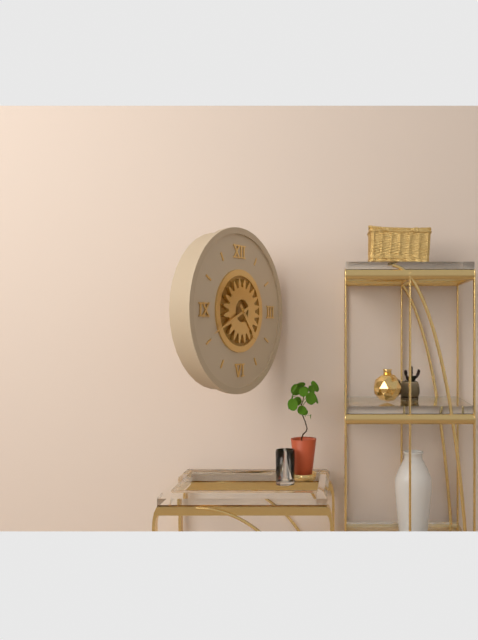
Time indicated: 4:41
